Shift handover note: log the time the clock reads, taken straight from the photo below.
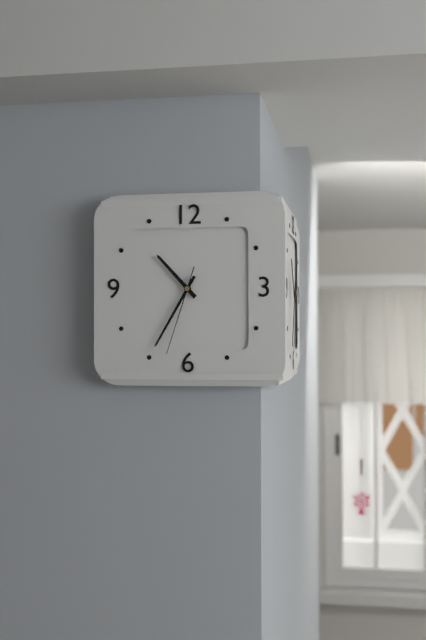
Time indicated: 10:35:33
